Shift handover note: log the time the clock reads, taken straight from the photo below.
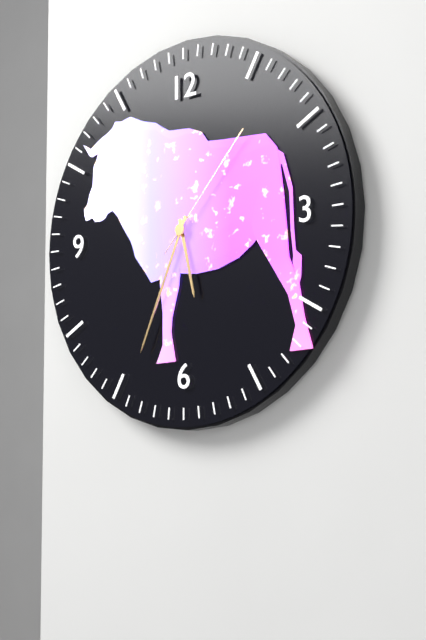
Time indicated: 5:34:07
